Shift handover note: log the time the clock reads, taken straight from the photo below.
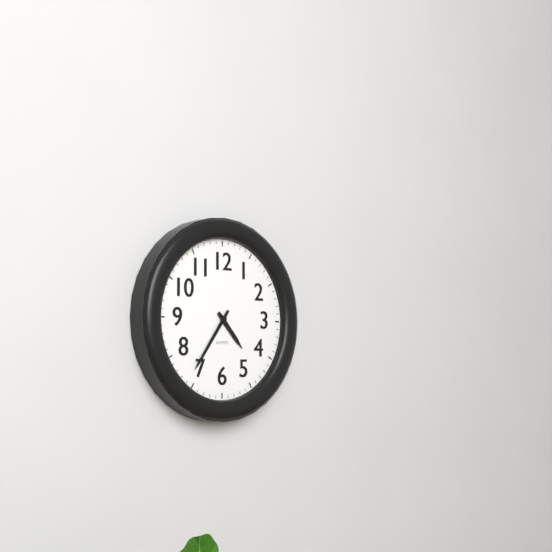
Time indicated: 4:36
